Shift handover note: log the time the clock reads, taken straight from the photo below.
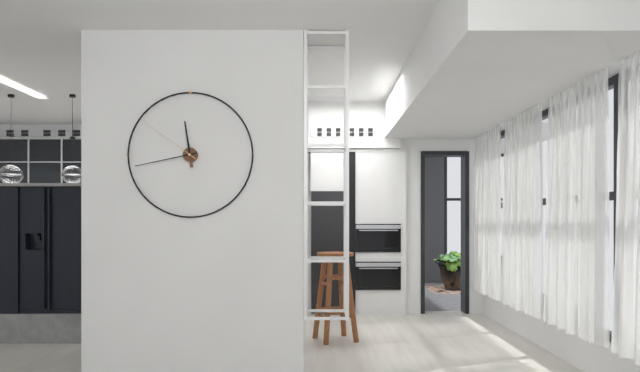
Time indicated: 11:43:51
